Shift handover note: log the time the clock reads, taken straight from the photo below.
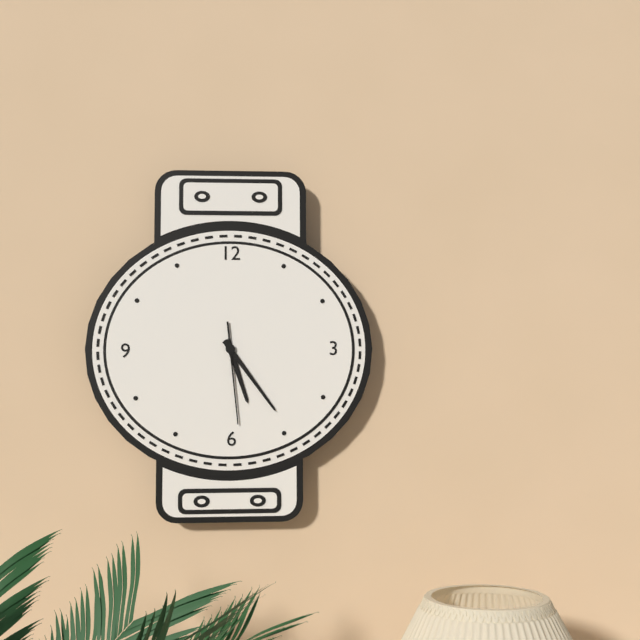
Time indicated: 5:24:29
